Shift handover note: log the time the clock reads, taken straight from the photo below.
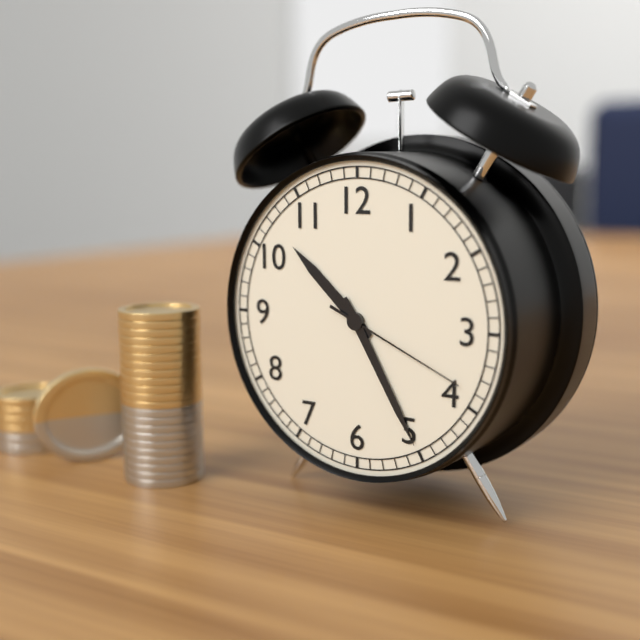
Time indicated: 10:25:19
